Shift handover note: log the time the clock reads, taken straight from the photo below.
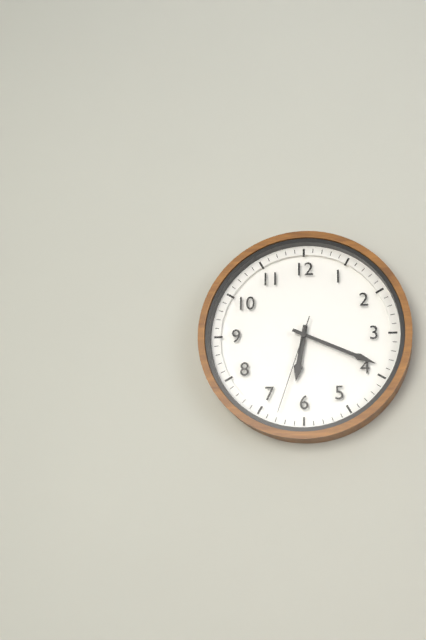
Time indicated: 6:19:33
